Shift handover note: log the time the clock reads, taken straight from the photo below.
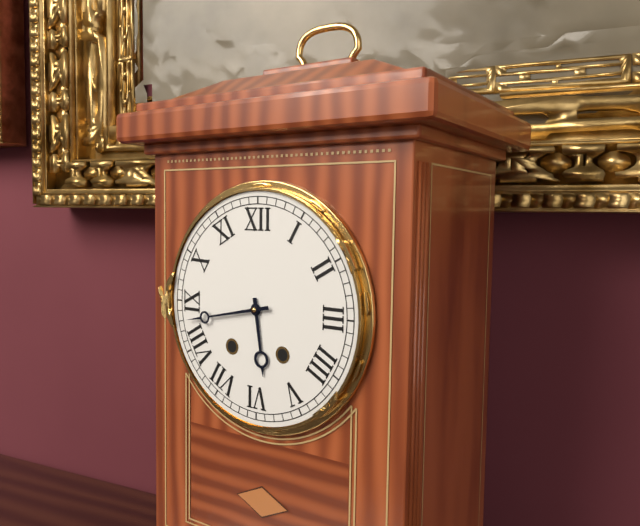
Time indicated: 5:43
